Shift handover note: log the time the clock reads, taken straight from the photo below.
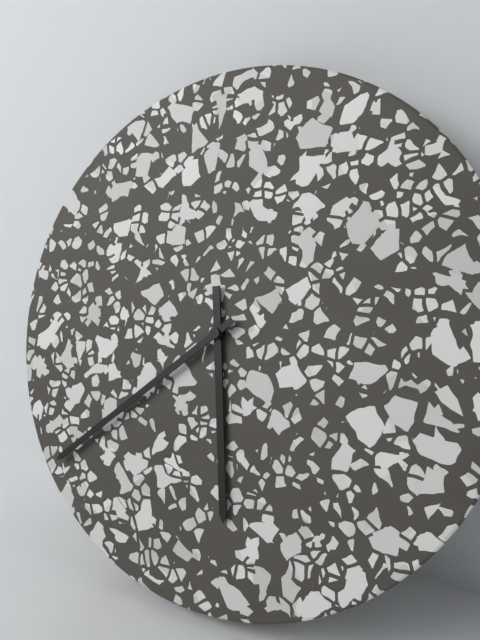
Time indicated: 5:38
